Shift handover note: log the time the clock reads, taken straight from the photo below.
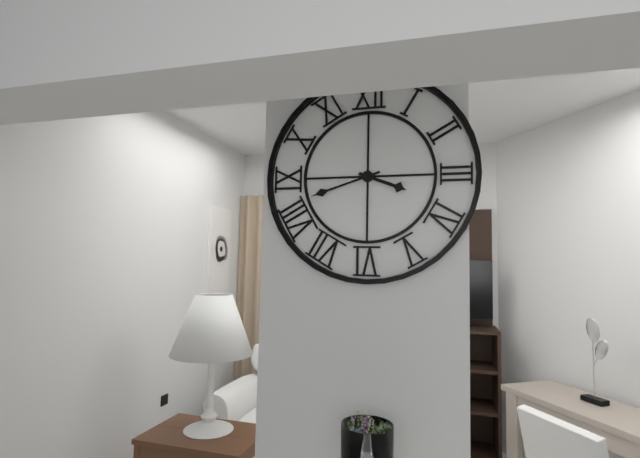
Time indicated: 3:42
